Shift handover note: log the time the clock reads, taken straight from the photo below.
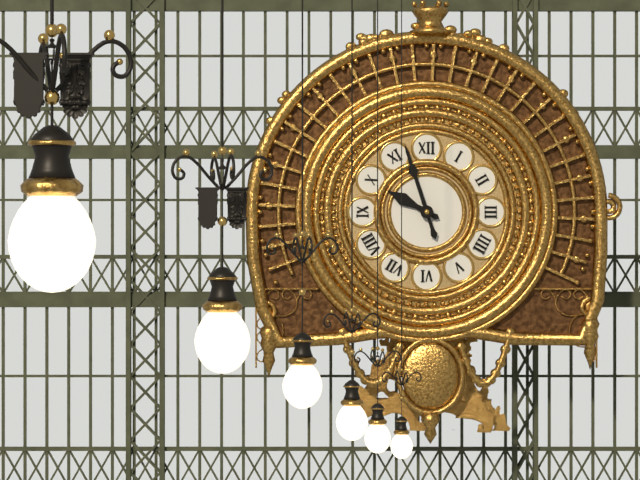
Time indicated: 9:57
